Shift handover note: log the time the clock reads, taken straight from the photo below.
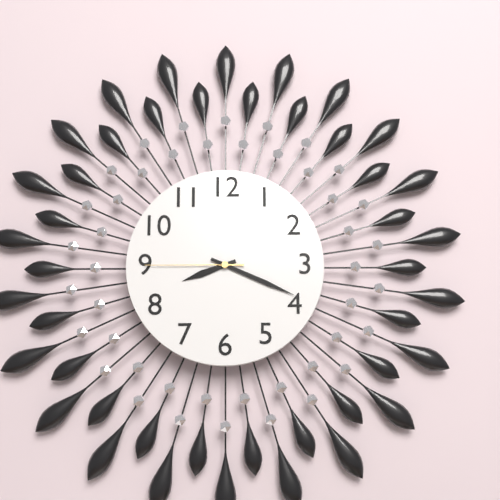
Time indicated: 8:19:45
